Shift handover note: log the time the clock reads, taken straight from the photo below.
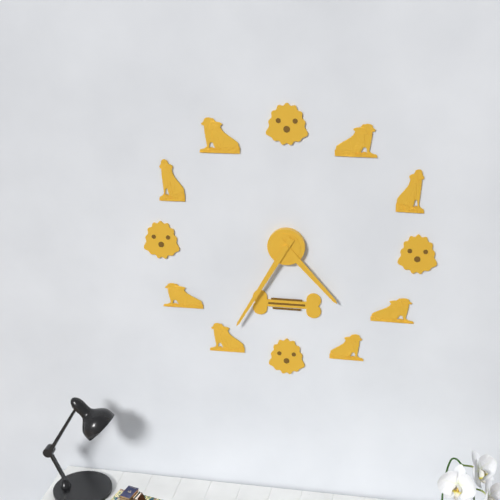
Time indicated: 4:35
